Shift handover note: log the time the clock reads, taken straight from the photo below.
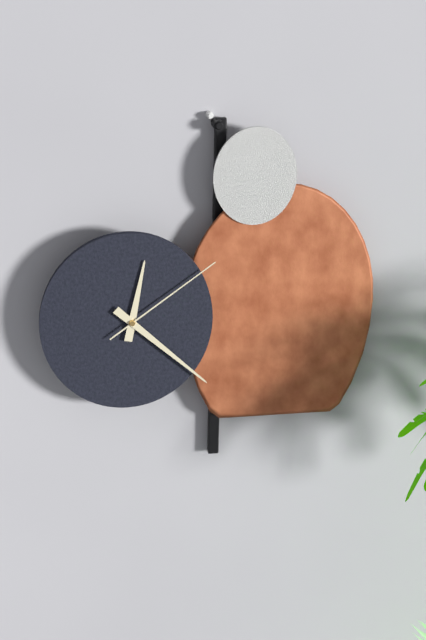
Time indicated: 12:22:09
